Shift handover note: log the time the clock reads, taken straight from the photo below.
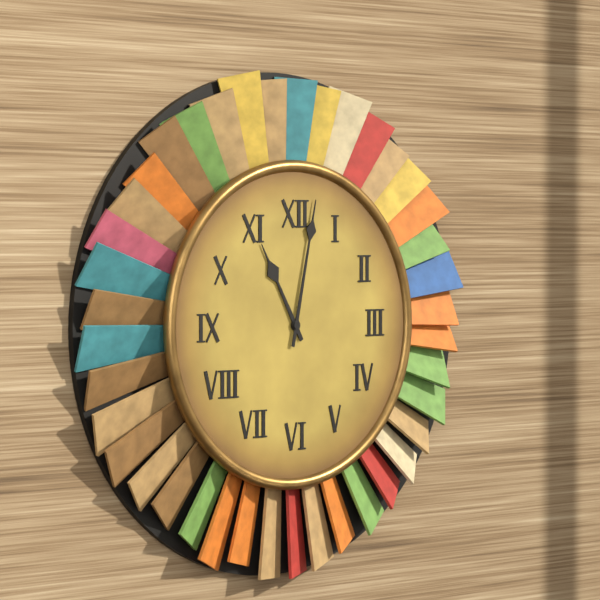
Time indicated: 11:02
